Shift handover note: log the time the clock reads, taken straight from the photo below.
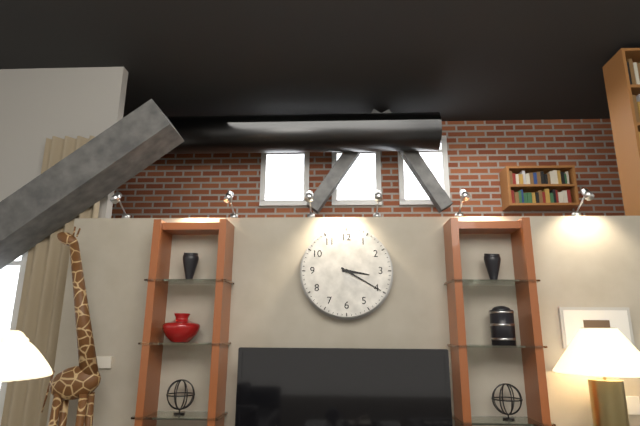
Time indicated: 3:20
